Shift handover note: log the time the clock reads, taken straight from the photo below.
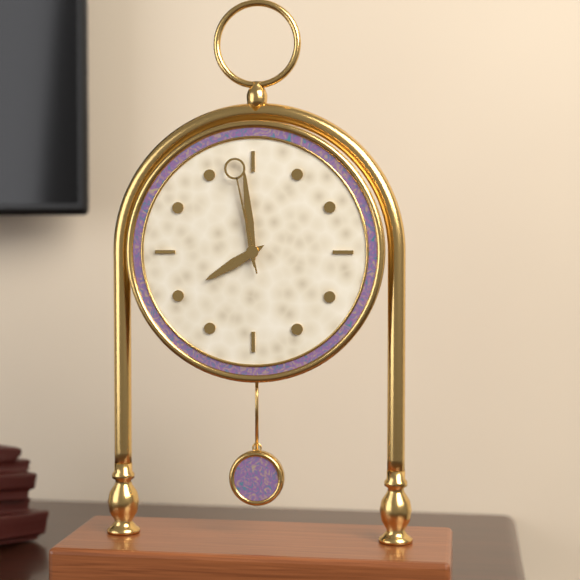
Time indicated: 7:59:58
